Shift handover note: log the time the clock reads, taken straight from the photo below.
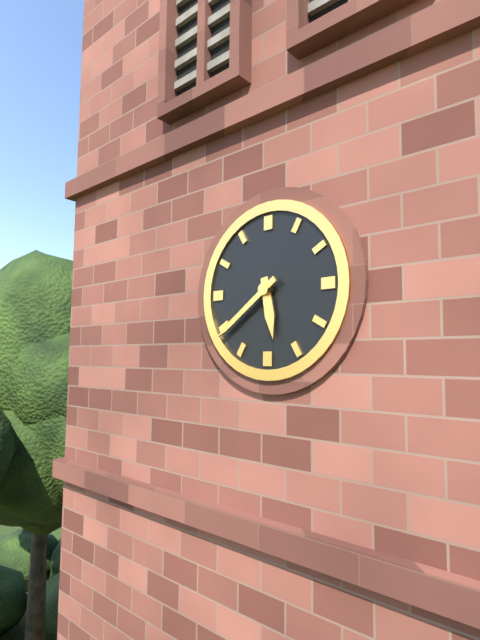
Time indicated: 5:39
